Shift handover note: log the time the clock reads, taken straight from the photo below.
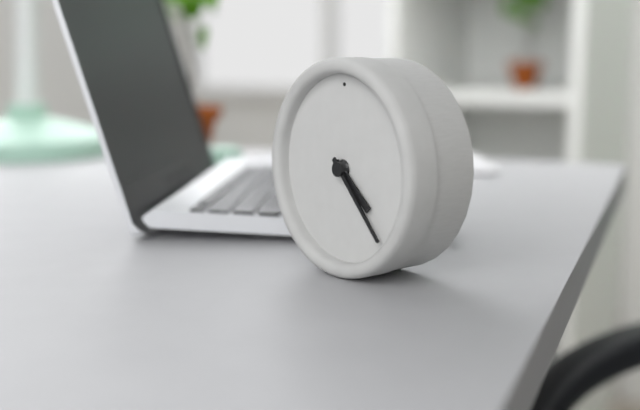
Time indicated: 4:23
